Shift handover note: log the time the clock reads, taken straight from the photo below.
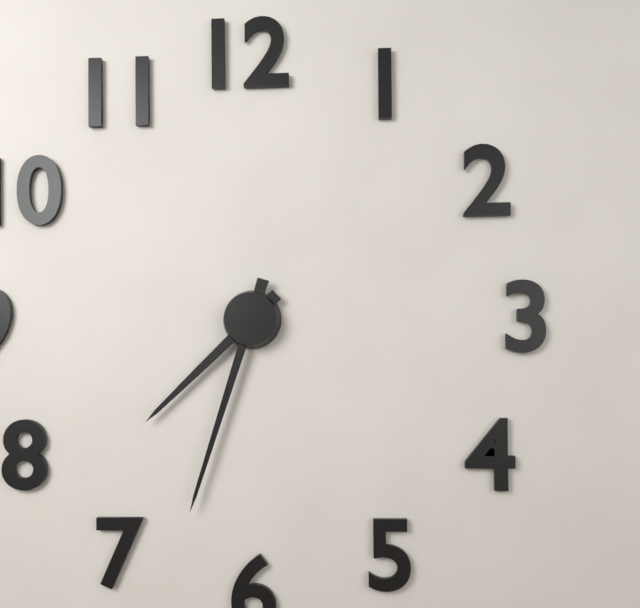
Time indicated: 7:33
